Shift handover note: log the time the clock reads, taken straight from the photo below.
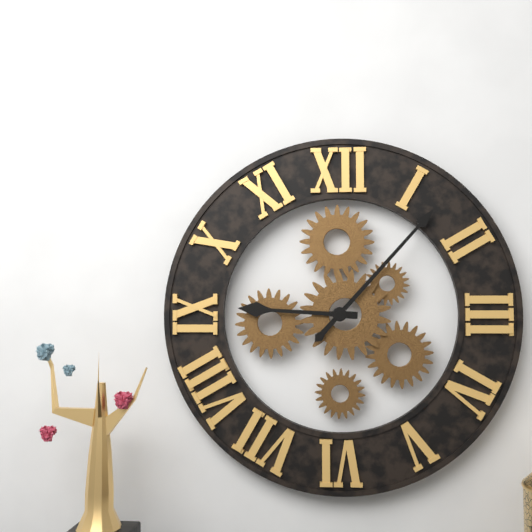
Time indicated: 9:07
